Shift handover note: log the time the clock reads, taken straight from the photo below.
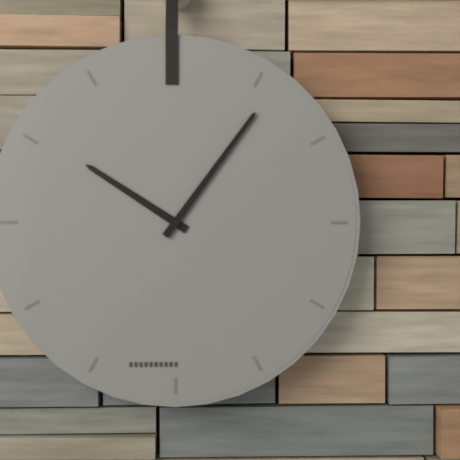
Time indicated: 10:06
